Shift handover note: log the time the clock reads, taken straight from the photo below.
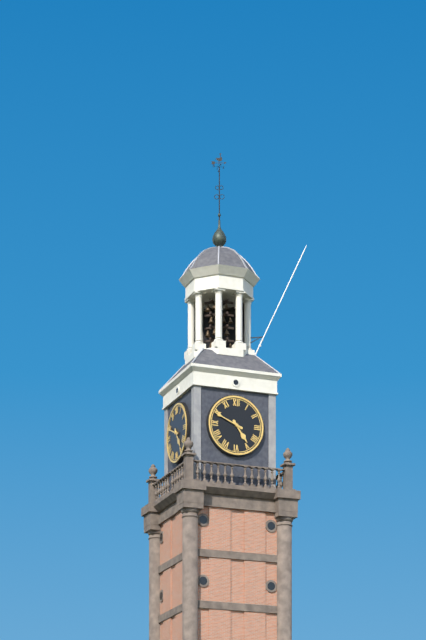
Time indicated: 4:49
